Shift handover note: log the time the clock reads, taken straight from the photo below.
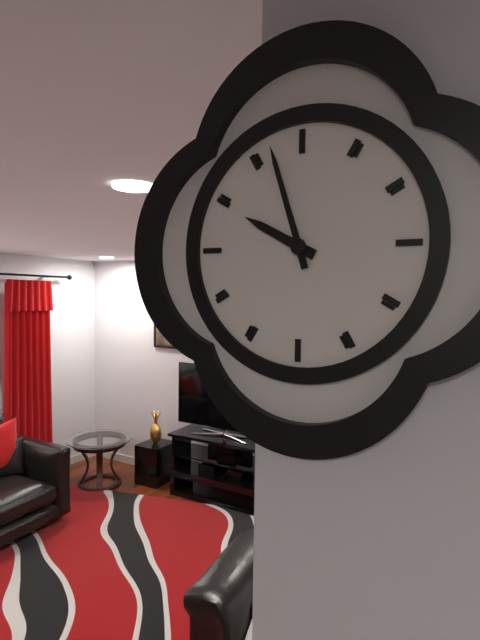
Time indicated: 9:57
